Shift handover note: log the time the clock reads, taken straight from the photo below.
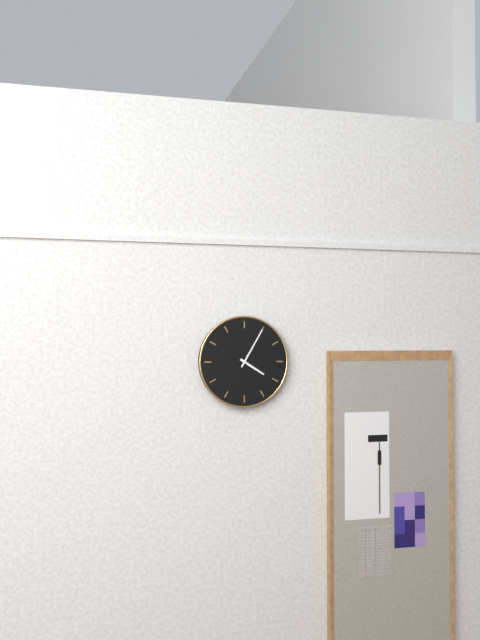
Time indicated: 4:05
